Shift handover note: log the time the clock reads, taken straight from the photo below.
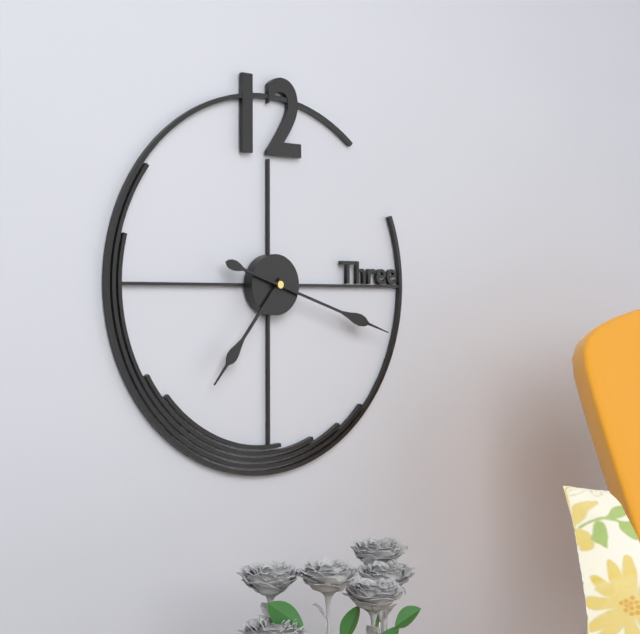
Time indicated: 7:18
